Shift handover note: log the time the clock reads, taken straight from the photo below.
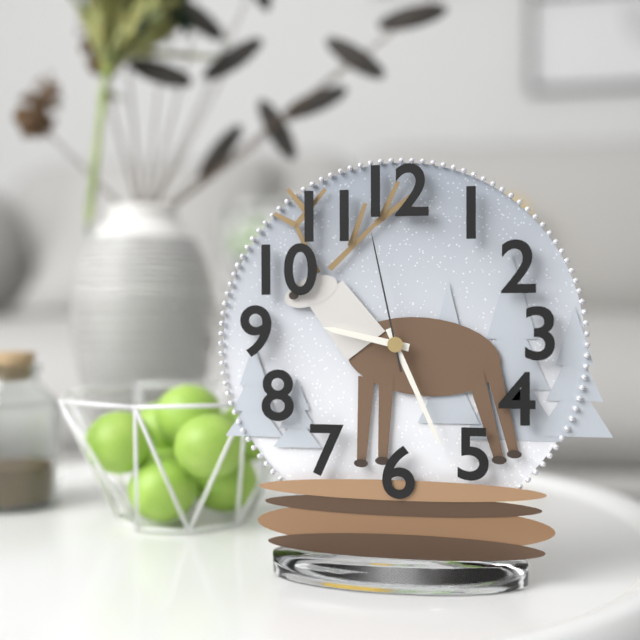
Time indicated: 9:26:58
